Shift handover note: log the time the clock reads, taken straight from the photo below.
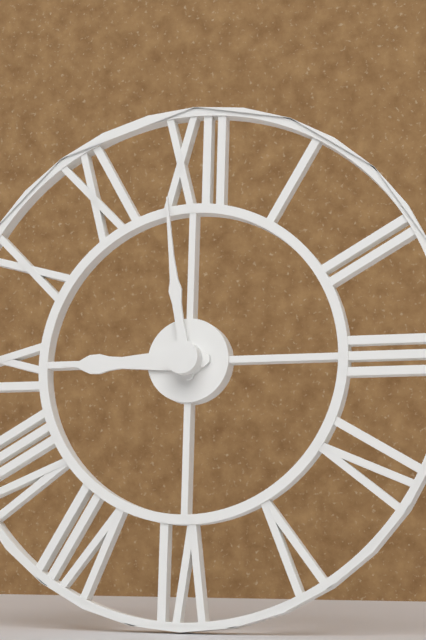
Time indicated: 8:58
